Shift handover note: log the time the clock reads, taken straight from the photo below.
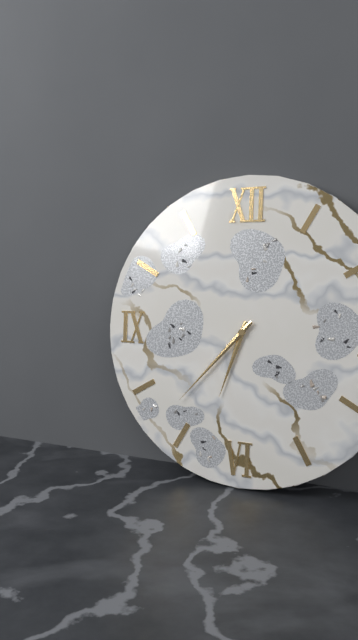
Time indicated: 6:37
